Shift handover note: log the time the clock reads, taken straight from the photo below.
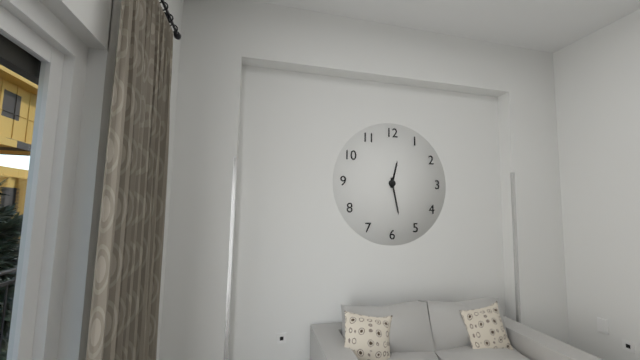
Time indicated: 12:28
